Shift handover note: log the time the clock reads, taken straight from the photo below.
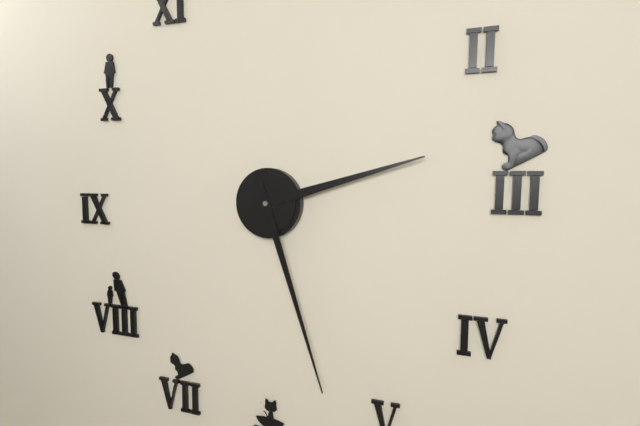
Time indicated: 2:27
